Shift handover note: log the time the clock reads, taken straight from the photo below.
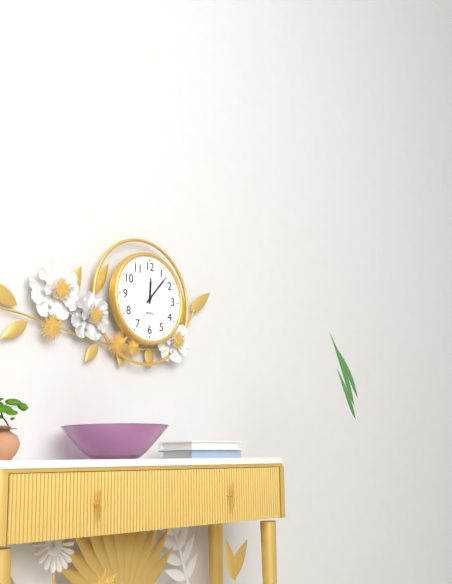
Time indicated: 12:07
